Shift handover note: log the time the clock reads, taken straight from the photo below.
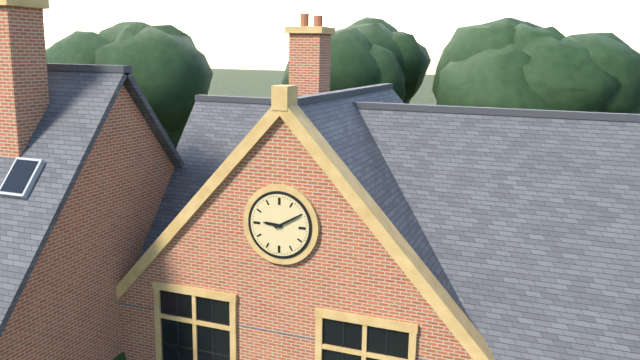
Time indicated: 9:10
